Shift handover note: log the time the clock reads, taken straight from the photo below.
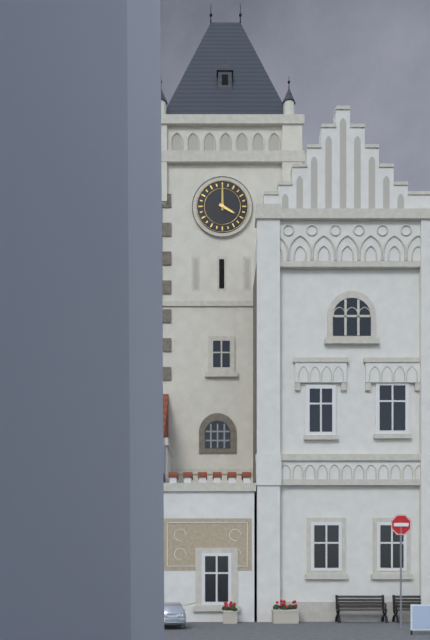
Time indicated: 4:00
